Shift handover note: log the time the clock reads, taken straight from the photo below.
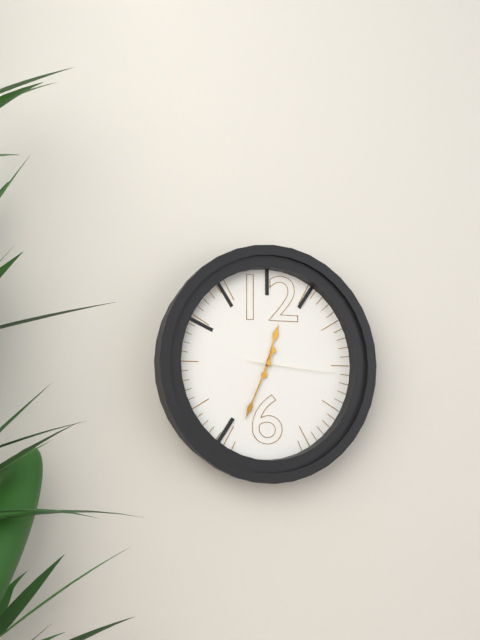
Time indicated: 12:34:16
